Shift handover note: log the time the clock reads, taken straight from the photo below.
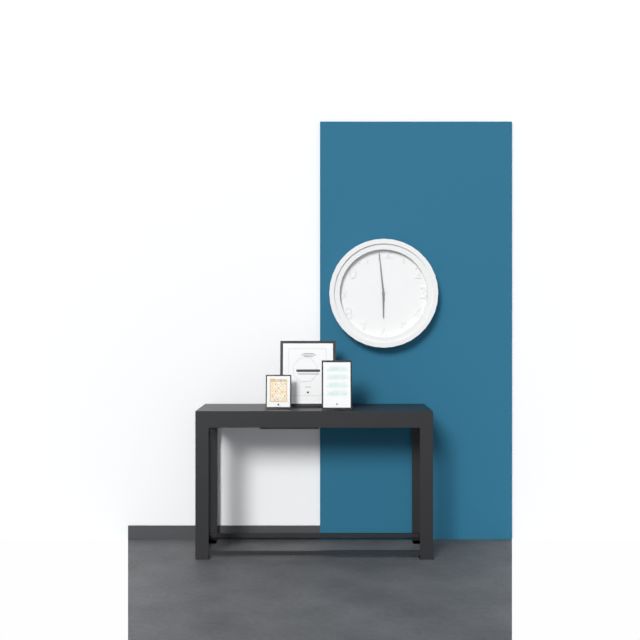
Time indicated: 5:59
